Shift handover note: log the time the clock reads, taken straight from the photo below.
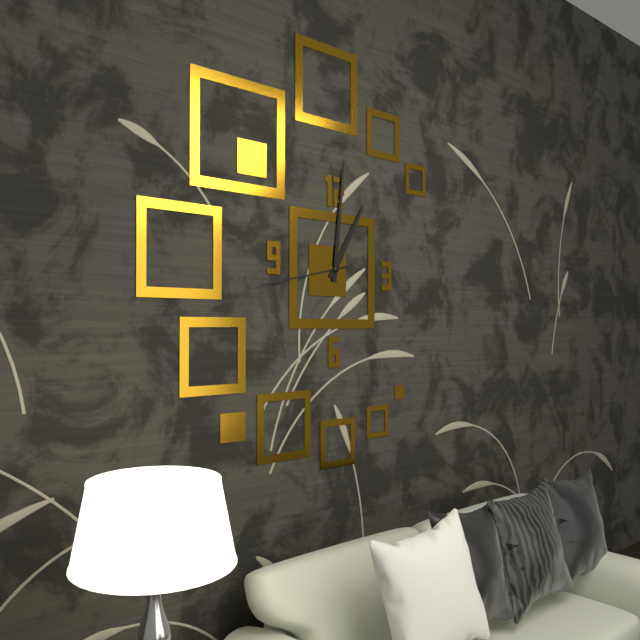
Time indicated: 1:01:43
